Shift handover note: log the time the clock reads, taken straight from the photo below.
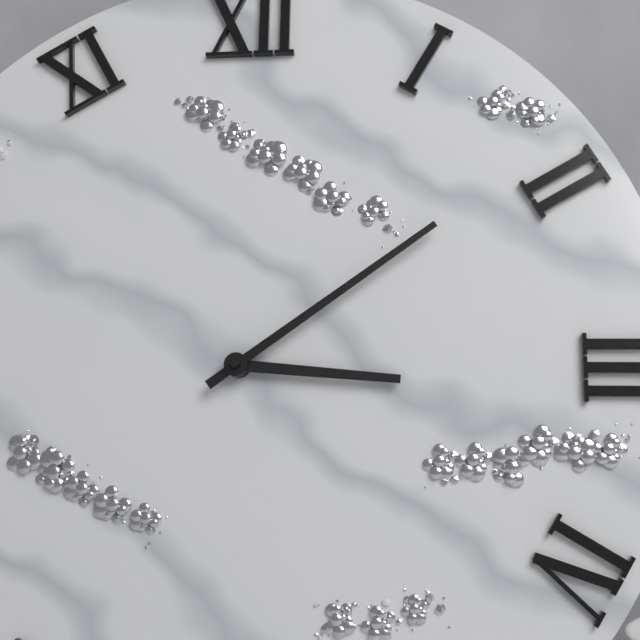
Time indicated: 3:09
